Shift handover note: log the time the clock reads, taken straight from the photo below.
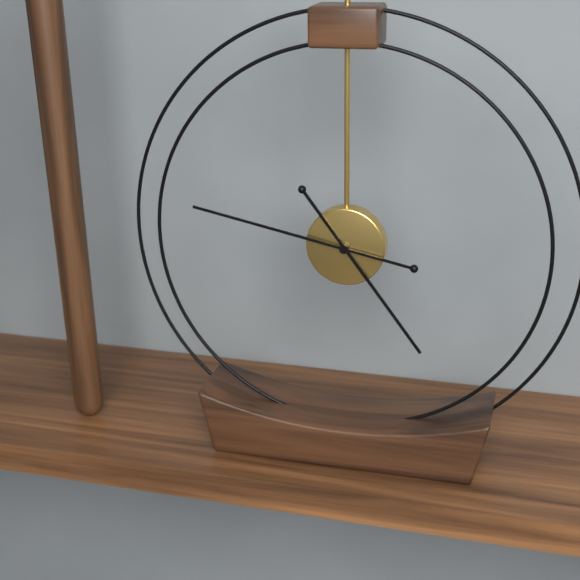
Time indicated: 4:47
